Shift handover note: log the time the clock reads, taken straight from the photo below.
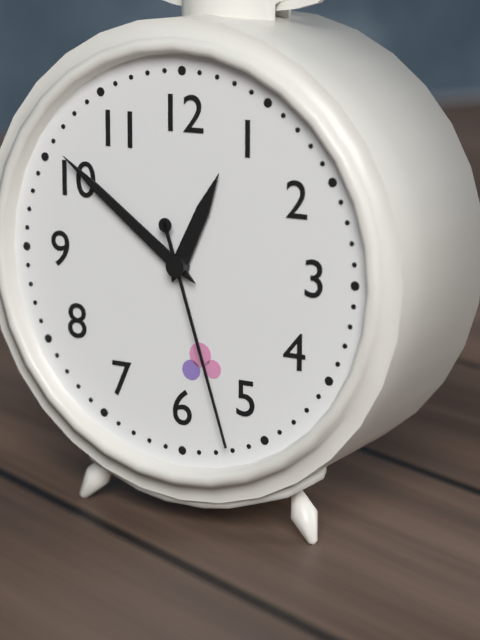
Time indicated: 12:51:27
